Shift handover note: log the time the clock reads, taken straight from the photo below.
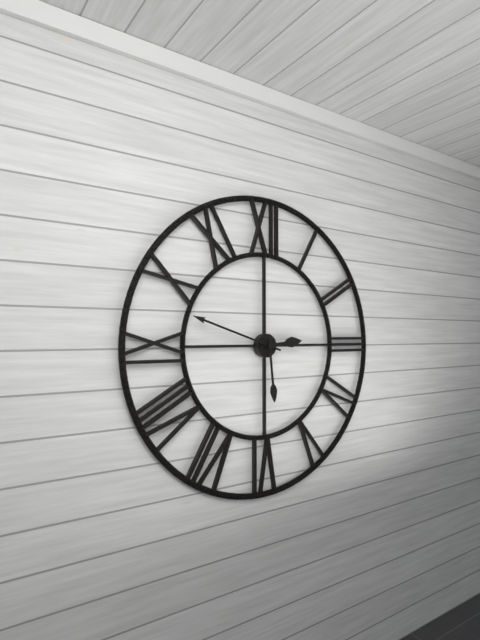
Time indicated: 2:48:29
